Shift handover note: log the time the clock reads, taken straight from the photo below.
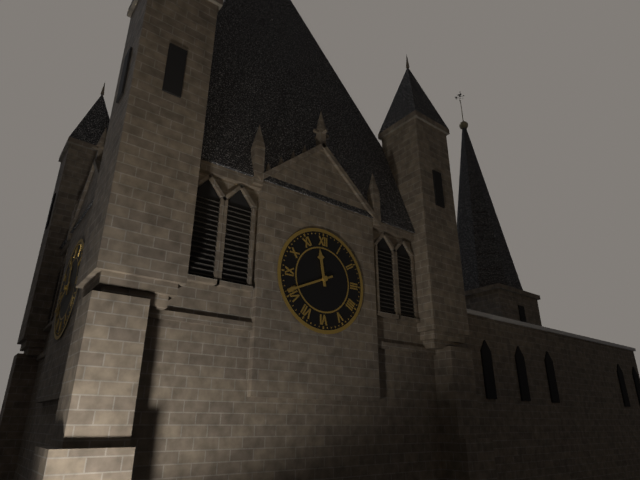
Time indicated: 11:41
